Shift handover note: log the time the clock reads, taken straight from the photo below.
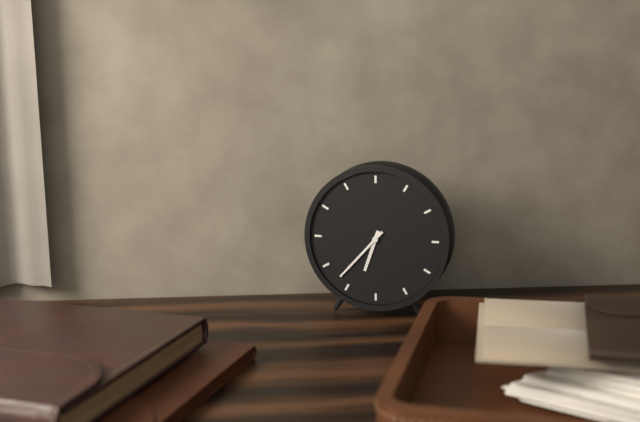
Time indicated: 6:37
